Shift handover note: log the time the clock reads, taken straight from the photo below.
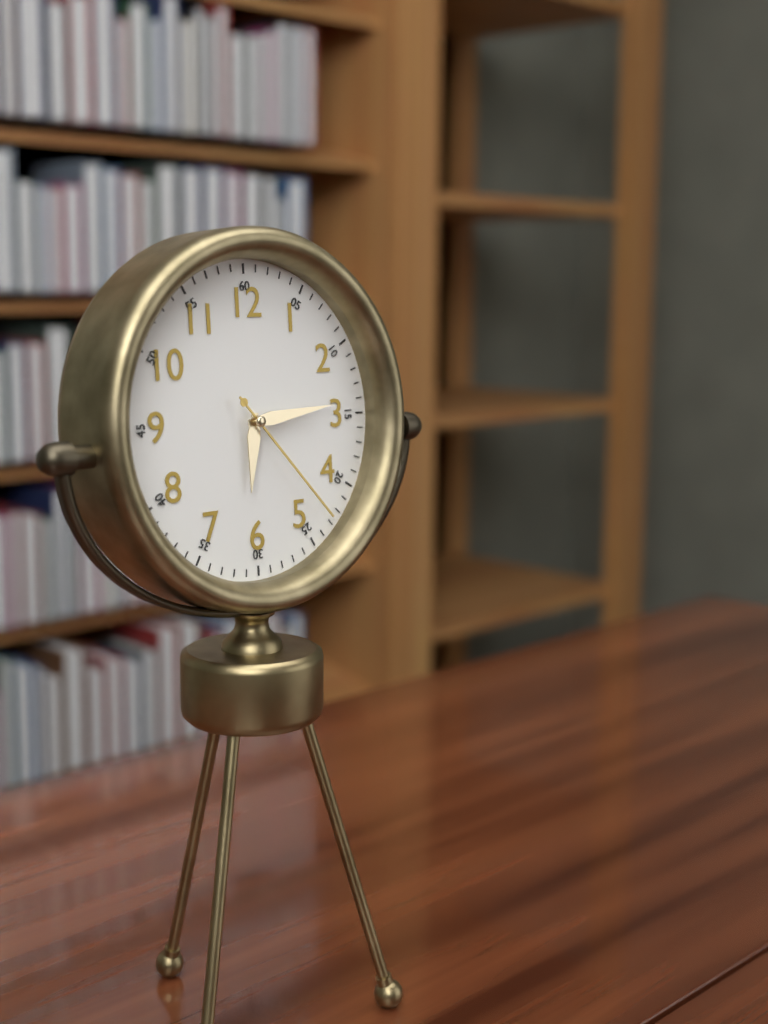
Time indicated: 6:14:23
